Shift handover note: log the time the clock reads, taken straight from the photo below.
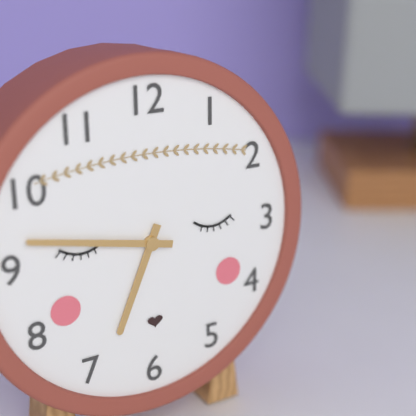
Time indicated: 6:47
